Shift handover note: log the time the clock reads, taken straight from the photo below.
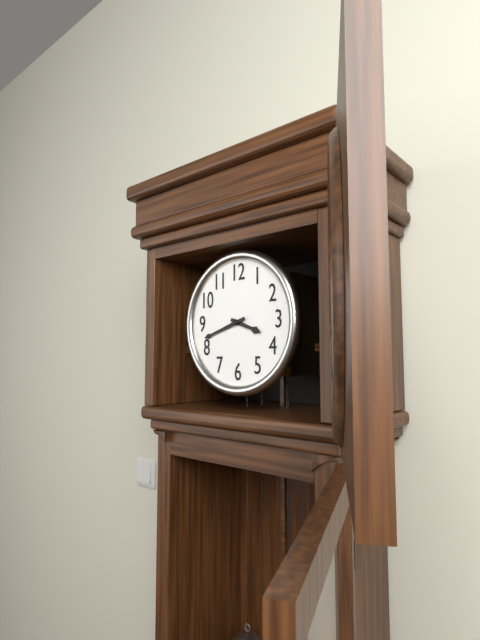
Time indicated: 3:42
